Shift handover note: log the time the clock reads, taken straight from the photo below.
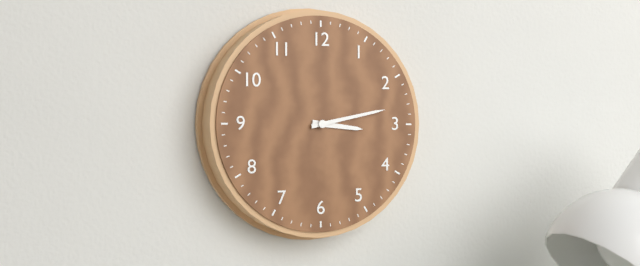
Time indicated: 3:13
